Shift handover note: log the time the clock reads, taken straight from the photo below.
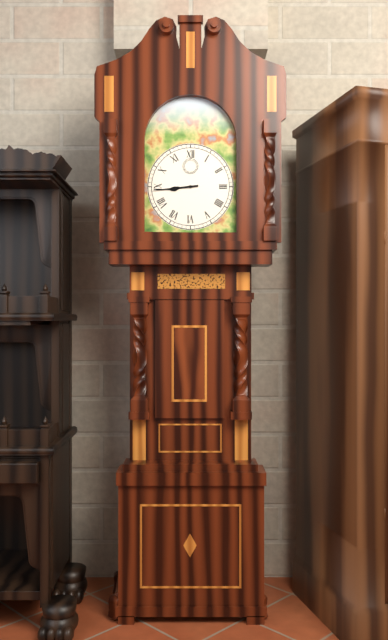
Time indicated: 8:44
